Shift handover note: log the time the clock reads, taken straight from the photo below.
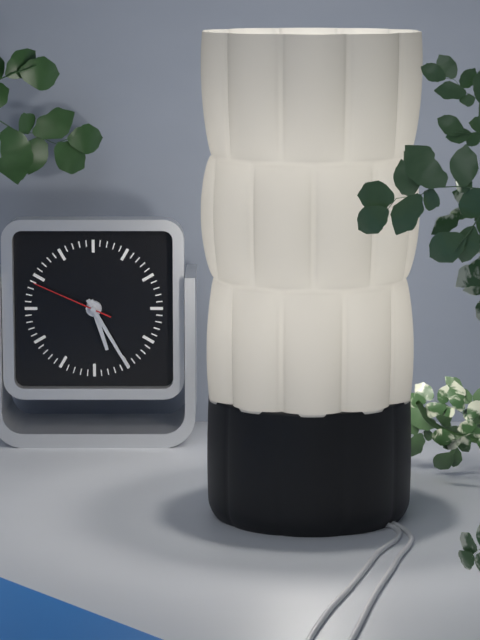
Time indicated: 5:25:49
